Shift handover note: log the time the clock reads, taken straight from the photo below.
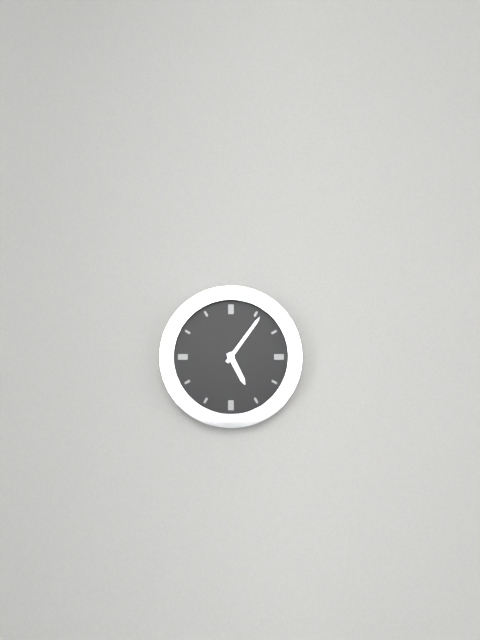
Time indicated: 5:06
